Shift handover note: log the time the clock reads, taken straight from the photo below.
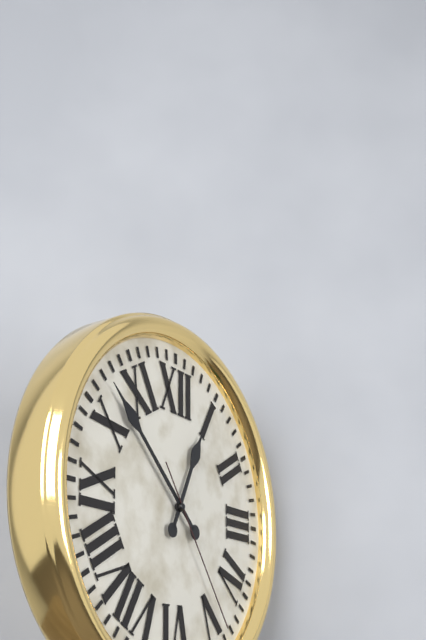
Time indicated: 12:52:24
